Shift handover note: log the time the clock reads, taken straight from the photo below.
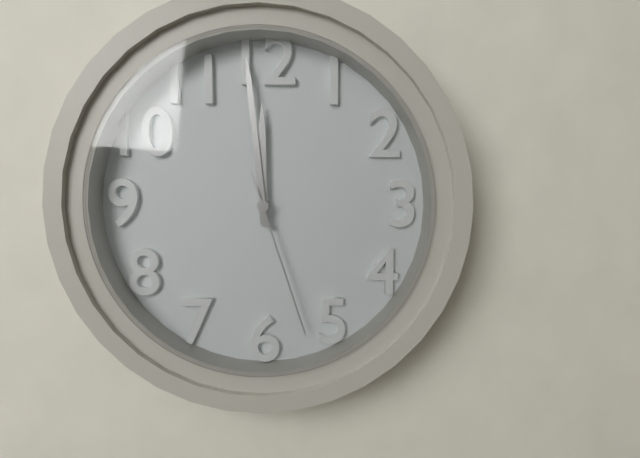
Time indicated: 11:59:27
